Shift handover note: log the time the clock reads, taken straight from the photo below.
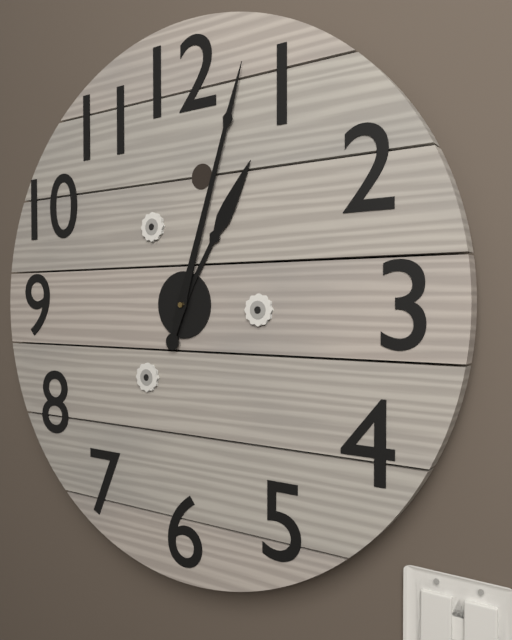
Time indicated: 1:03
